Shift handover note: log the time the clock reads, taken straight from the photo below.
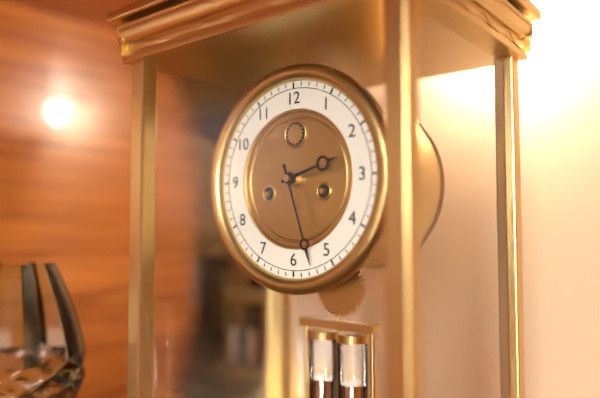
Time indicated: 2:27
